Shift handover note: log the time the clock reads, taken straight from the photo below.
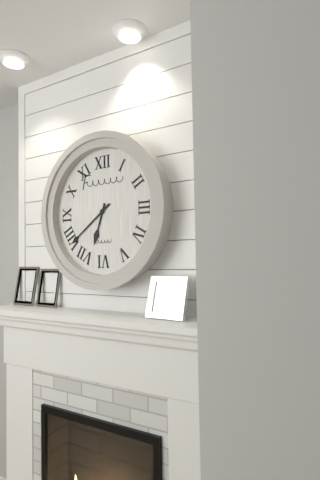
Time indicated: 6:39
